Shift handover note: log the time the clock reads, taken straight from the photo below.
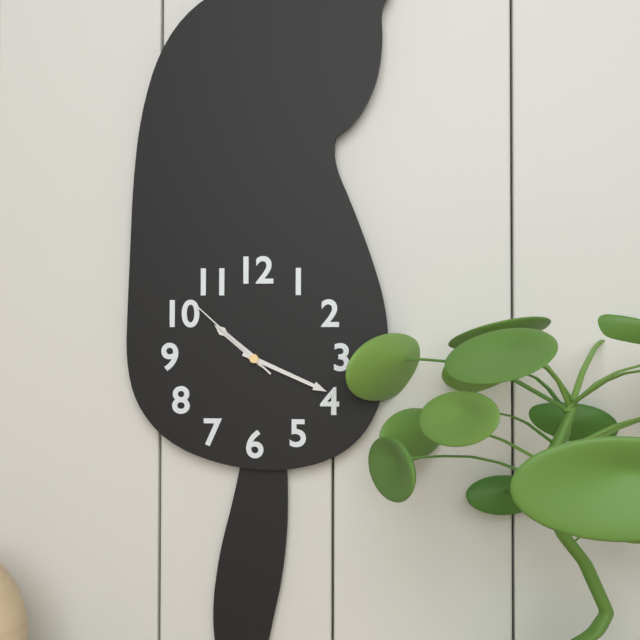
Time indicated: 10:19:52
